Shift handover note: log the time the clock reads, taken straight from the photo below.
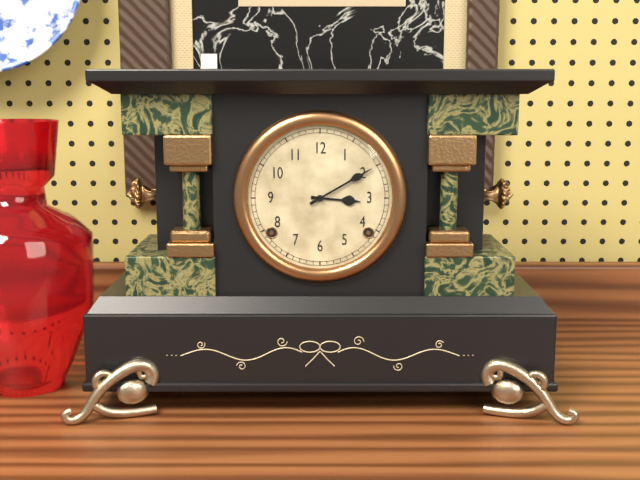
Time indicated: 3:10
